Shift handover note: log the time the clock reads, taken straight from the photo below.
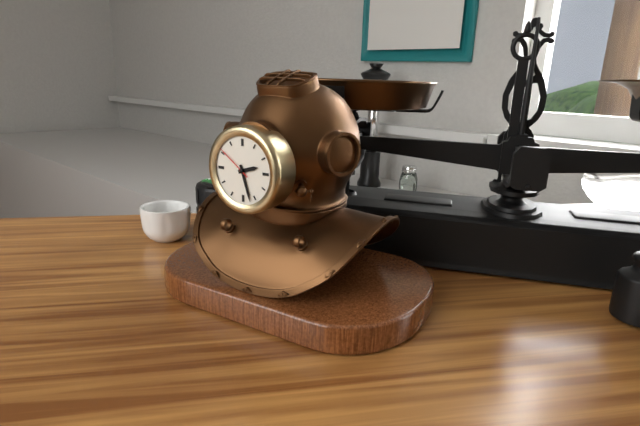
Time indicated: 2:27
